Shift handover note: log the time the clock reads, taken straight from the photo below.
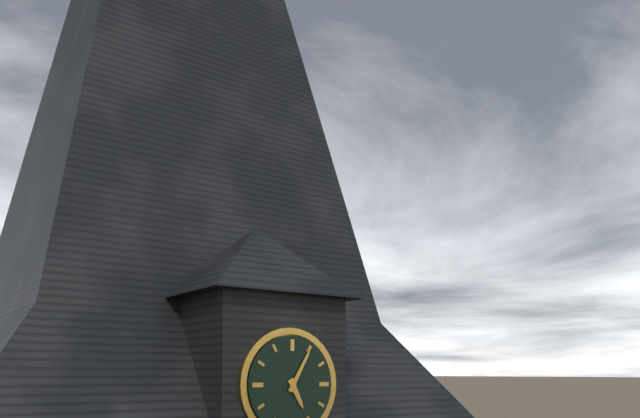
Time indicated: 5:05
